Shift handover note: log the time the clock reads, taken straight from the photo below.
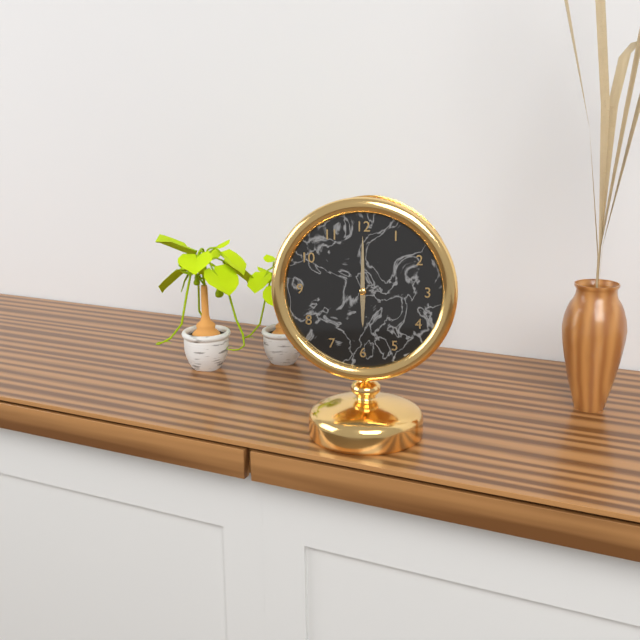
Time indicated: 6:00
